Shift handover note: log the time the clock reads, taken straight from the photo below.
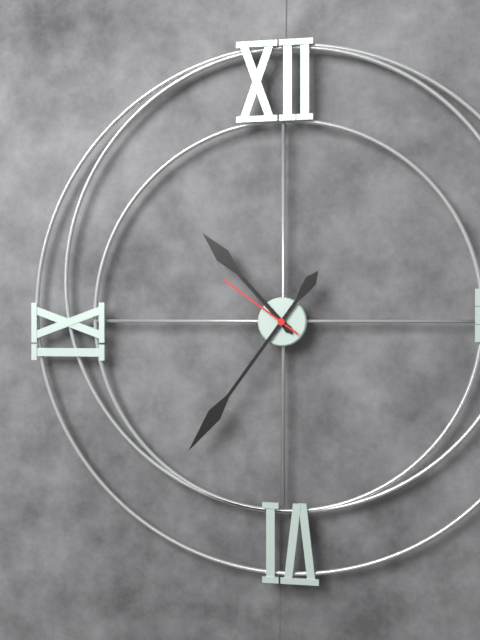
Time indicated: 10:36:51
